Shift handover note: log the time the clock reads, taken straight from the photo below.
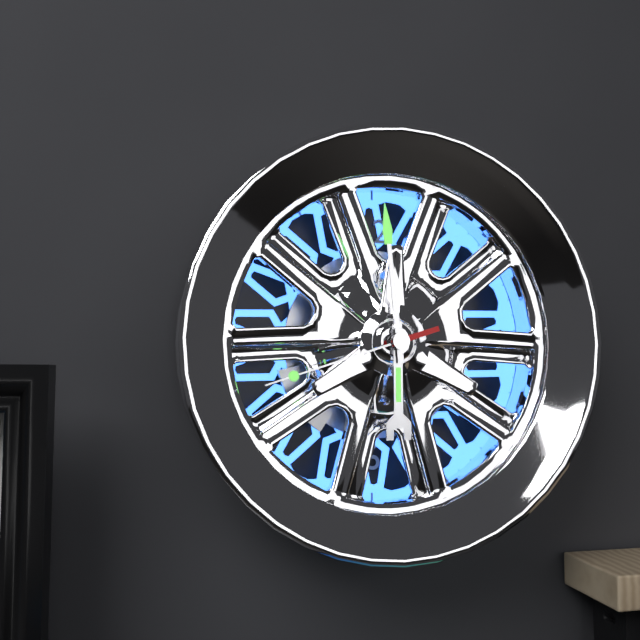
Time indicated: 5:59:42
